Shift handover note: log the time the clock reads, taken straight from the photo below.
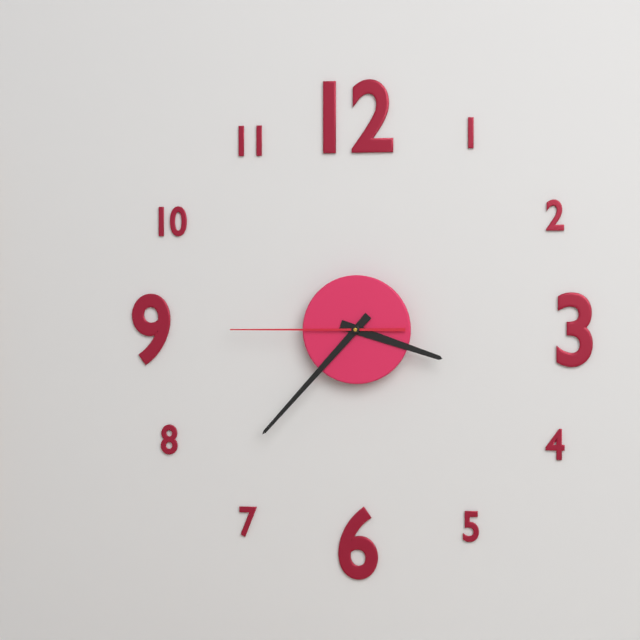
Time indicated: 3:37:45
